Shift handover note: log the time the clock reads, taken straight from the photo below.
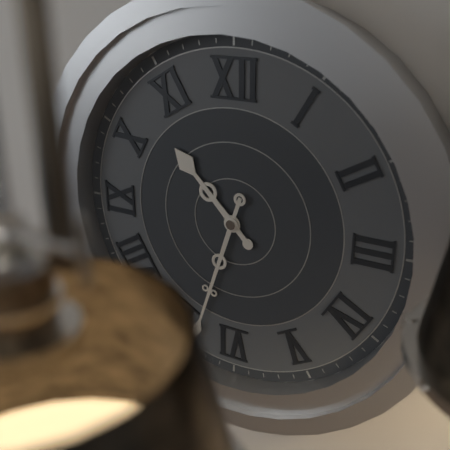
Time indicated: 10:33
